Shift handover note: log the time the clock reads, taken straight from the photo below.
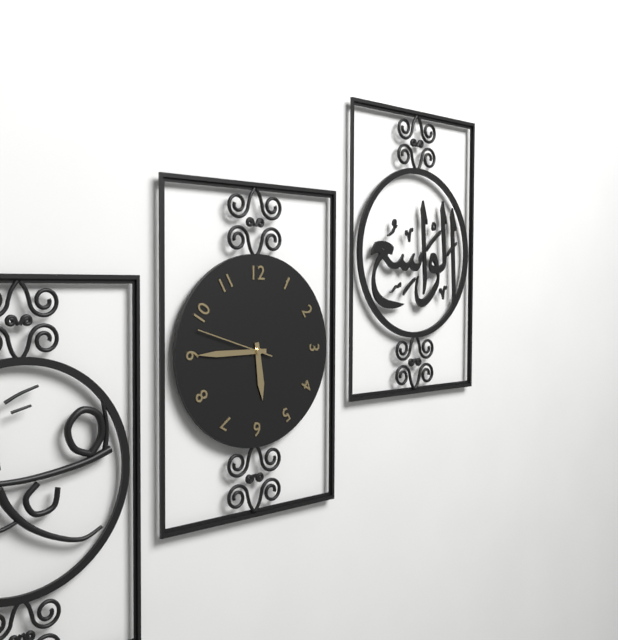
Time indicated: 5:45:48
